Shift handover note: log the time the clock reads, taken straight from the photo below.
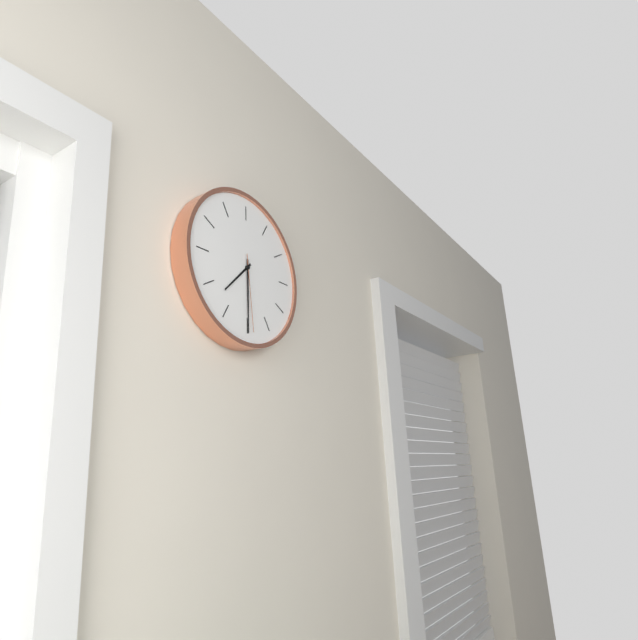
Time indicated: 7:30:29
